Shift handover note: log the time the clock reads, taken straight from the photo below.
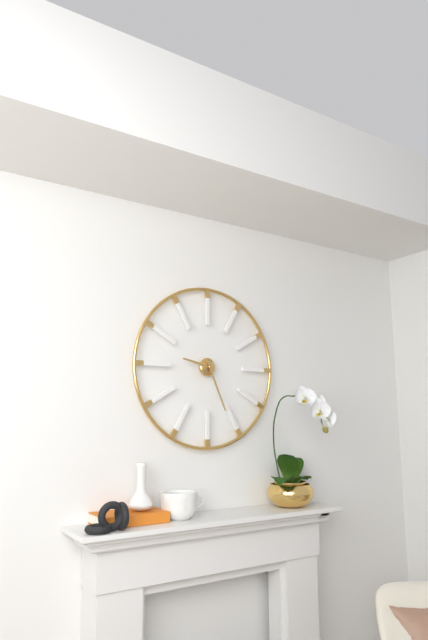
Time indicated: 9:26
